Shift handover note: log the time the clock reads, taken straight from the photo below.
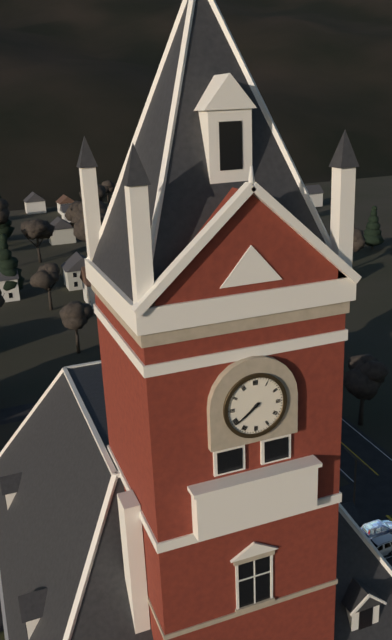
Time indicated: 7:39
